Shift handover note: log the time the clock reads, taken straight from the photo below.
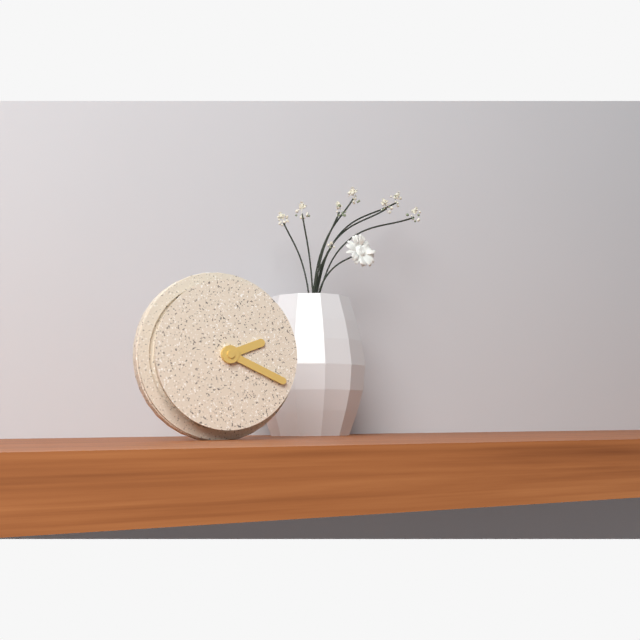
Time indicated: 2:19
